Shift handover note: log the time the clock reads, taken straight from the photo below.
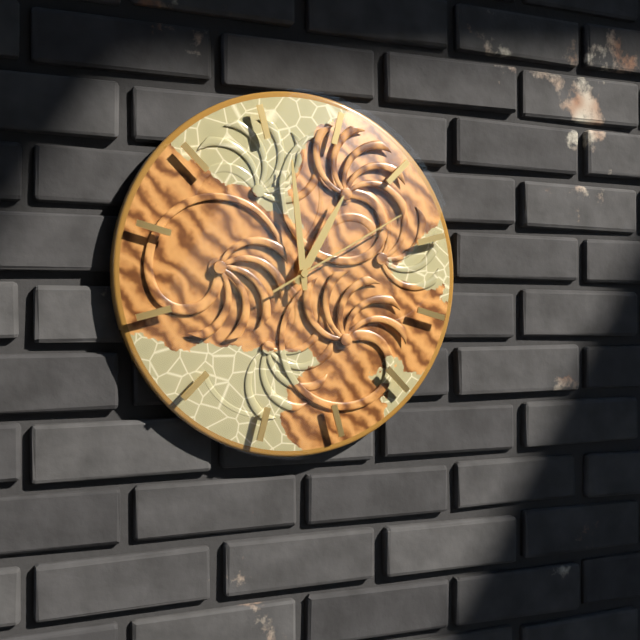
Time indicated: 12:59:10
